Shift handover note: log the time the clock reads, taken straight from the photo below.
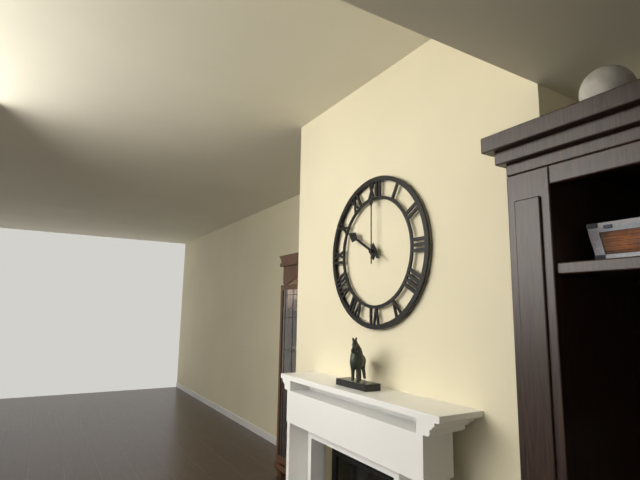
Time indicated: 10:00:50
